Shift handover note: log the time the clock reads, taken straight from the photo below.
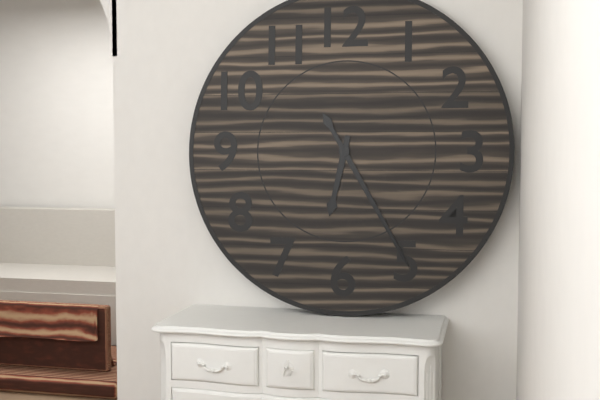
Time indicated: 6:25
